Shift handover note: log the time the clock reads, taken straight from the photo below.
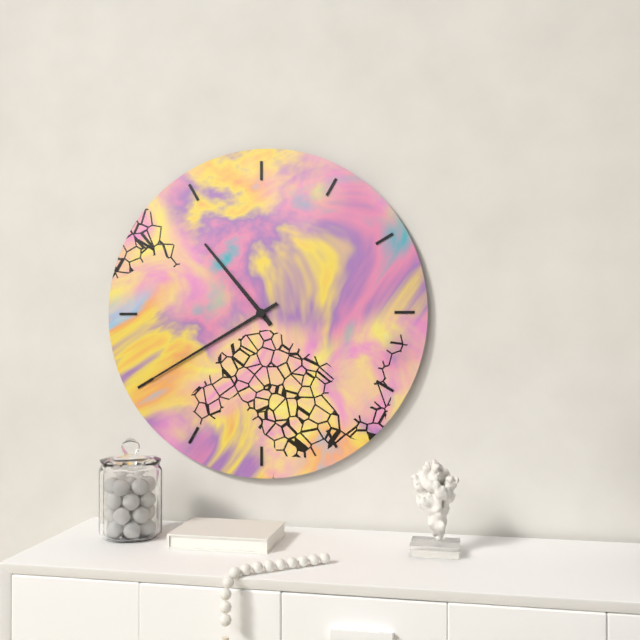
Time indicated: 10:40
